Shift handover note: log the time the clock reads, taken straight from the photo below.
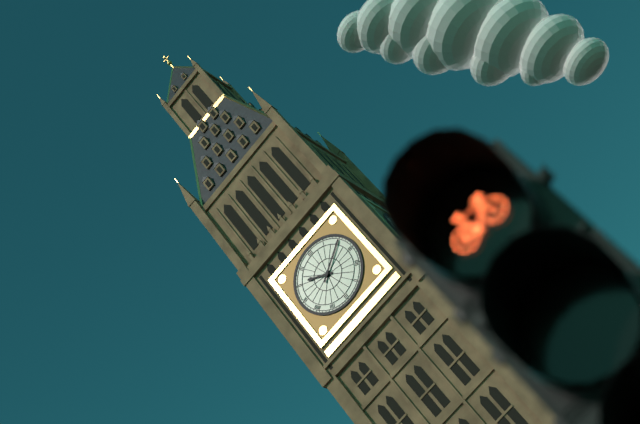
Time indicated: 10:10
